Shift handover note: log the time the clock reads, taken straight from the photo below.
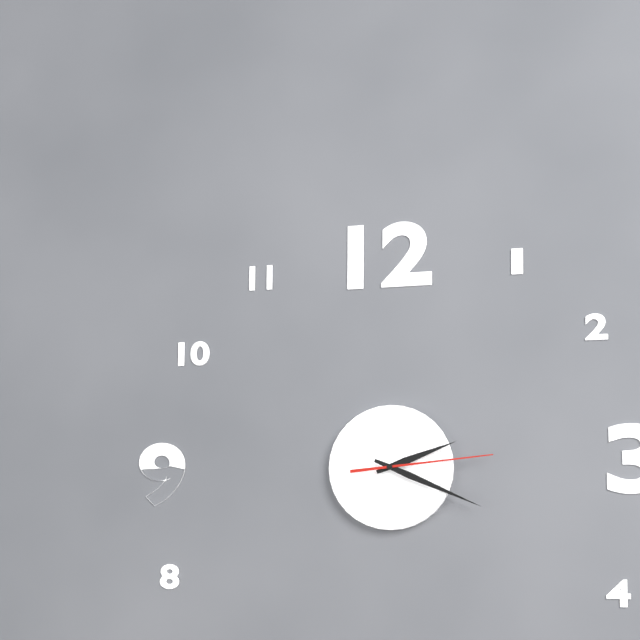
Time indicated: 2:19:14
